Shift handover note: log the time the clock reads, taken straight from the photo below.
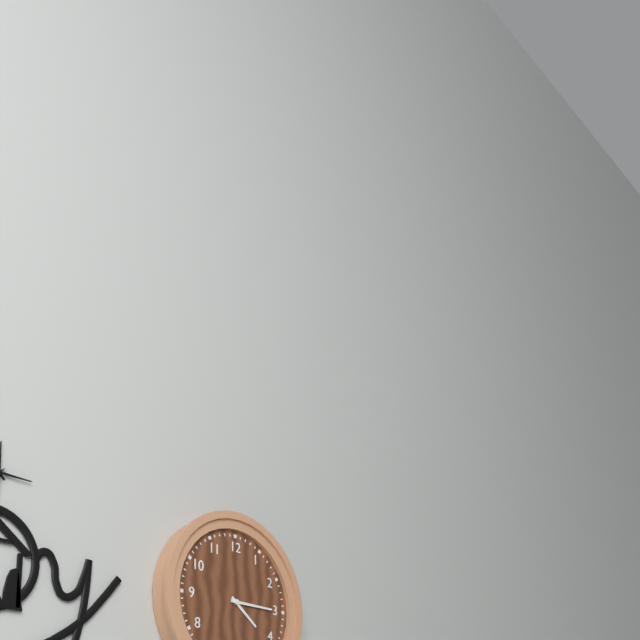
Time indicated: 4:15
